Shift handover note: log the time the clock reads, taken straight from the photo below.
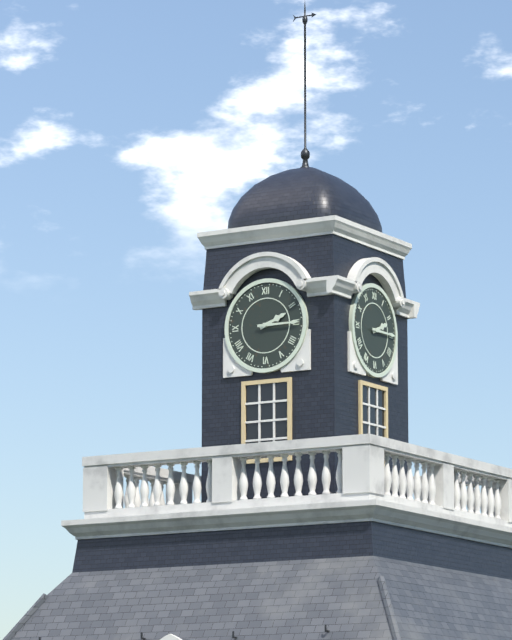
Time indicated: 2:15
